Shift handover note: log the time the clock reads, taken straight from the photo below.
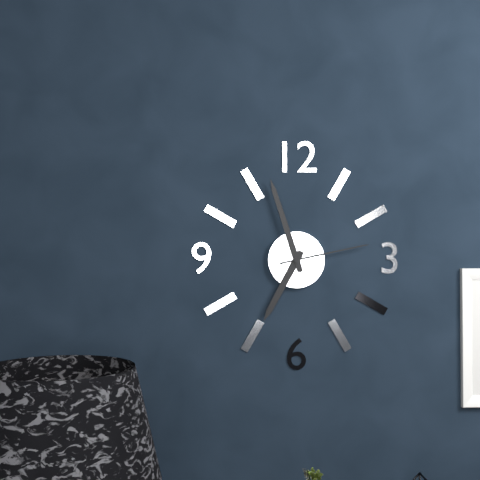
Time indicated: 6:57:13
